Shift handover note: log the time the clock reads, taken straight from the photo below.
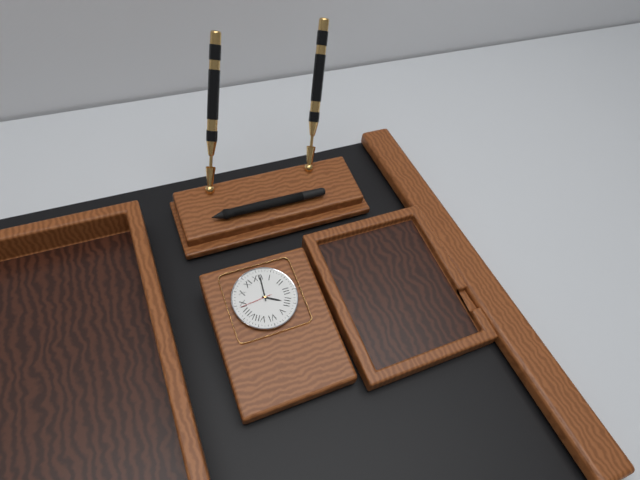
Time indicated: 4:01
